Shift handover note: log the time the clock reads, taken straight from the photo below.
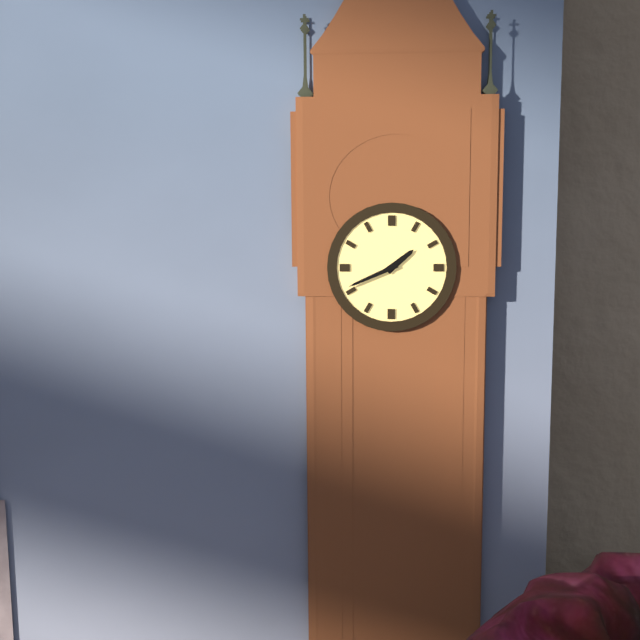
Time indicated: 1:41
